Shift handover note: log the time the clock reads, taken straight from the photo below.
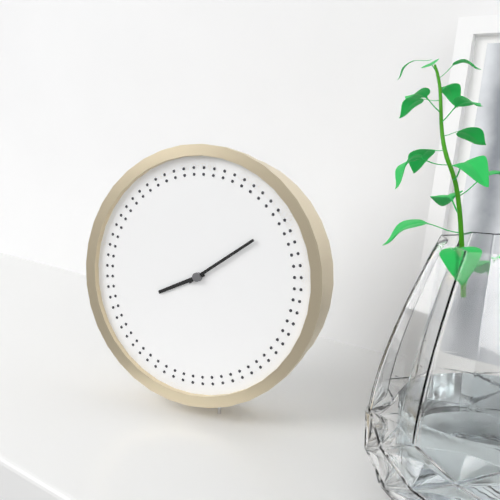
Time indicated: 8:09
